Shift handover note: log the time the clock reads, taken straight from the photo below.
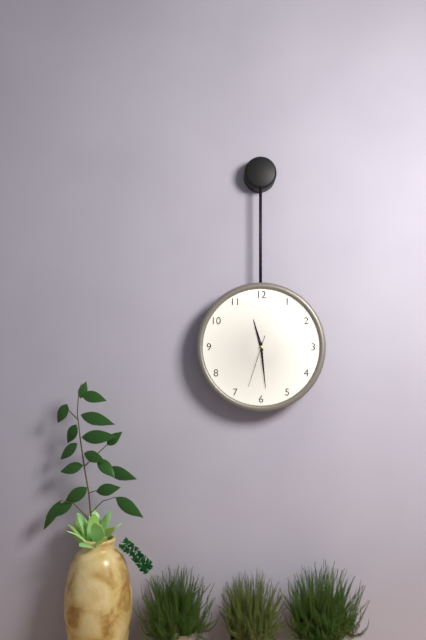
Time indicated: 11:29:33
